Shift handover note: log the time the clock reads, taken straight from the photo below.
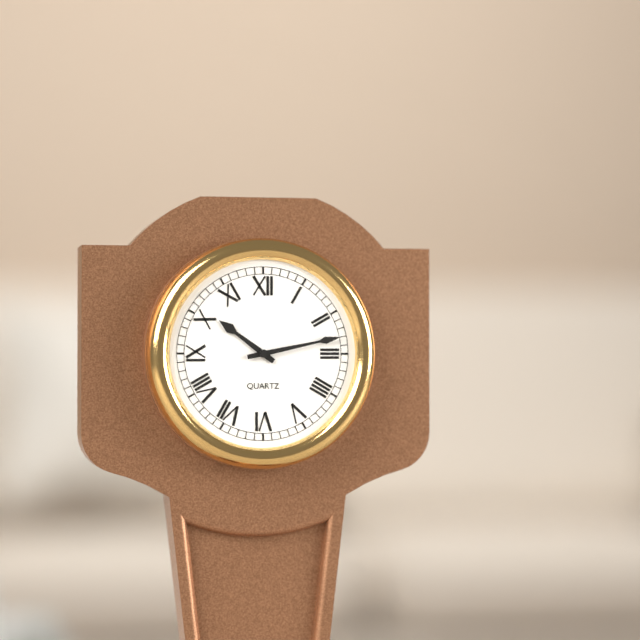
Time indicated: 10:13
